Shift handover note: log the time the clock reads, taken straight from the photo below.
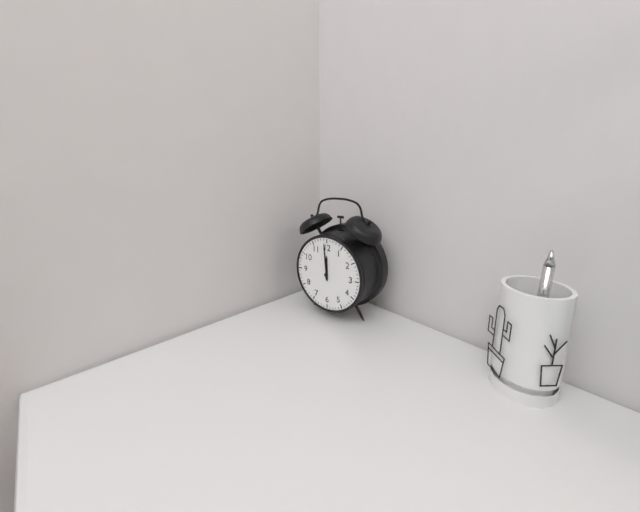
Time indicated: 11:59
